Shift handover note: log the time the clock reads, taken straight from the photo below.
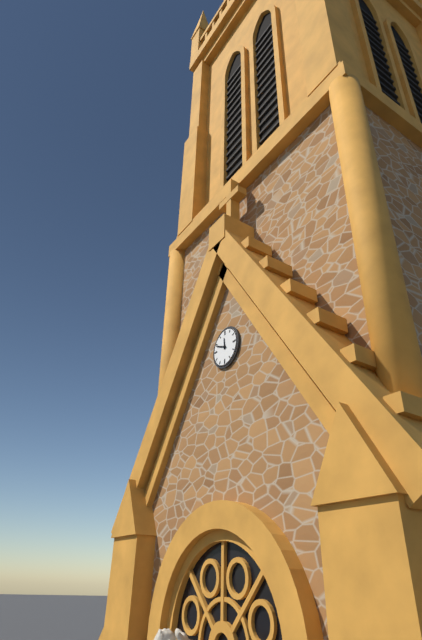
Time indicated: 11:49
